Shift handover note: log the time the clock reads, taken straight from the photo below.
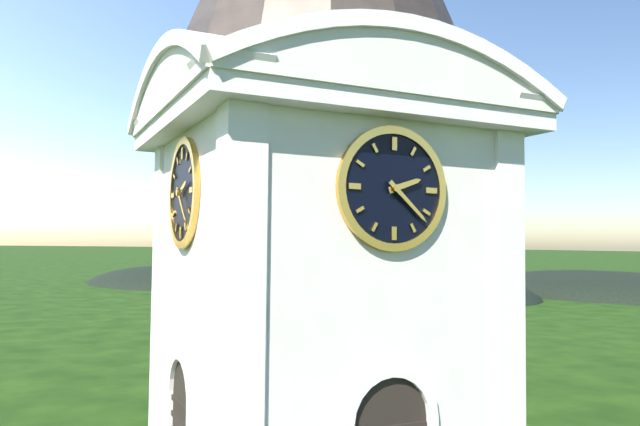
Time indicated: 2:22
